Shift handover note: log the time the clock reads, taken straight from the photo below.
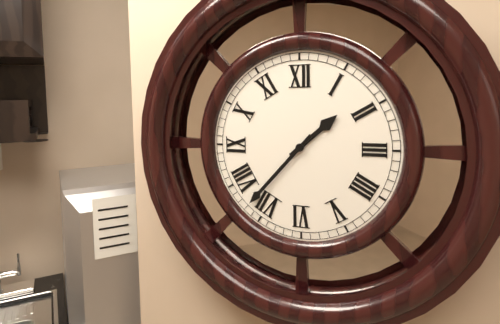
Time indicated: 1:37
